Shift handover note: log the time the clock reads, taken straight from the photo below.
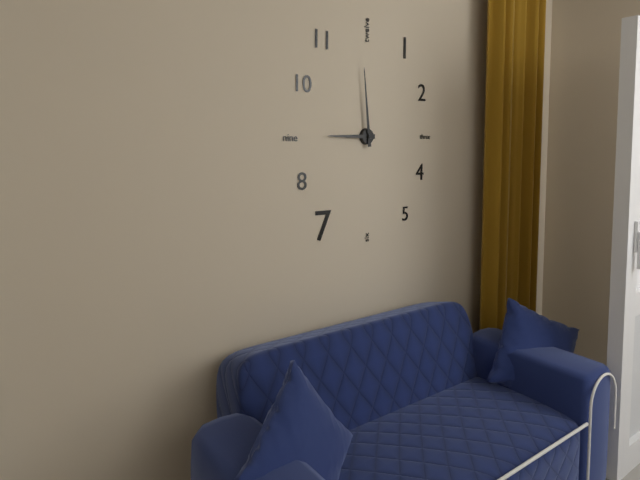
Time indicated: 8:59
